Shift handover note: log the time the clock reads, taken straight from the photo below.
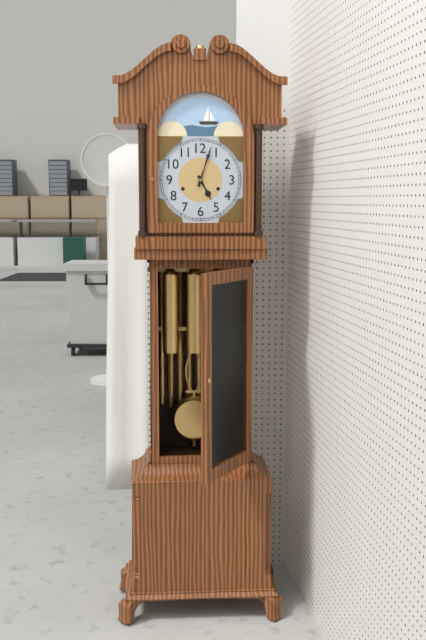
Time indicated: 5:03
